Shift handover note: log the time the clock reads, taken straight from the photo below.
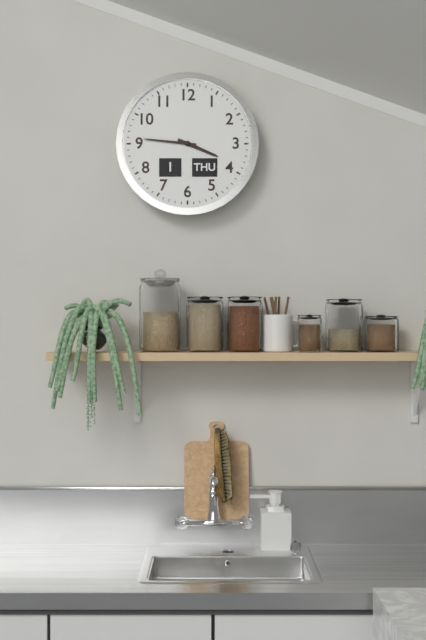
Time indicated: 3:46
